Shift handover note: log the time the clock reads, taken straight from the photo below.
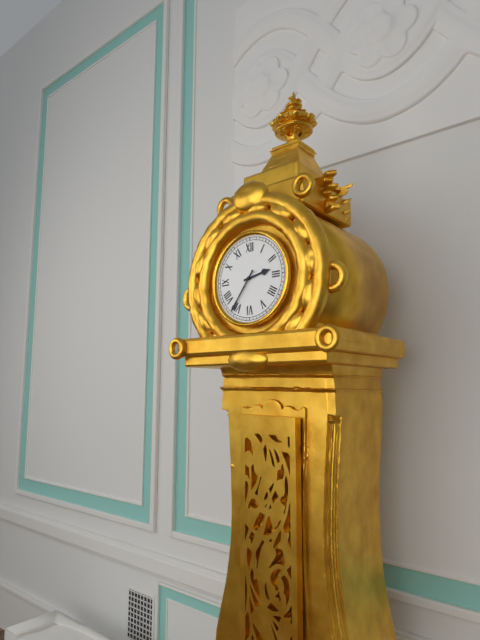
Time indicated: 2:36
